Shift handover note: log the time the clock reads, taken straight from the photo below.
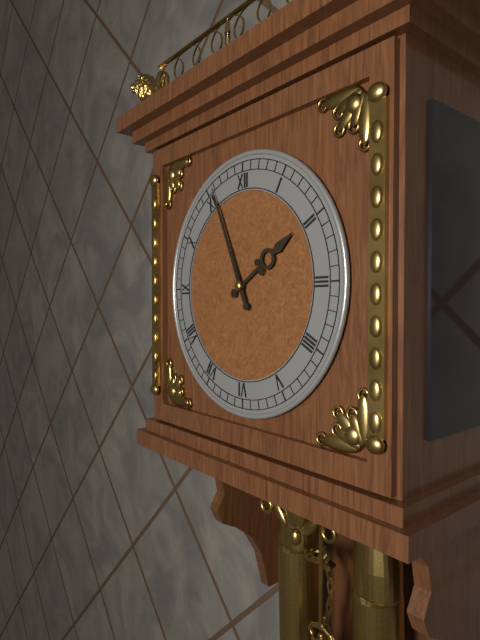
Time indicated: 1:56
